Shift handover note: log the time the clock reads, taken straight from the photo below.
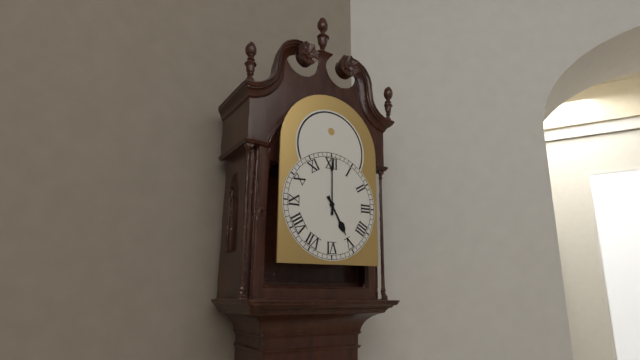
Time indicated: 5:00
